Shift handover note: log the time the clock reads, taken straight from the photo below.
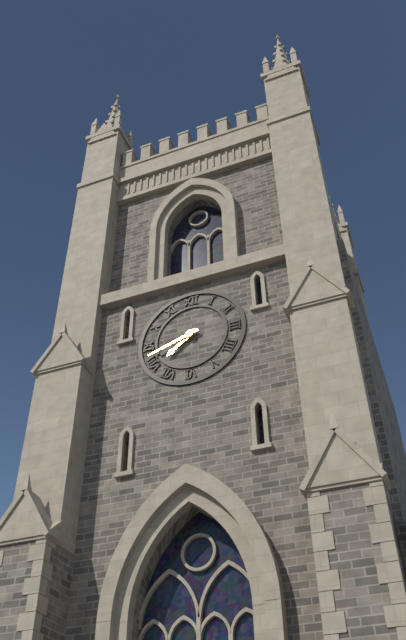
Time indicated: 7:42
